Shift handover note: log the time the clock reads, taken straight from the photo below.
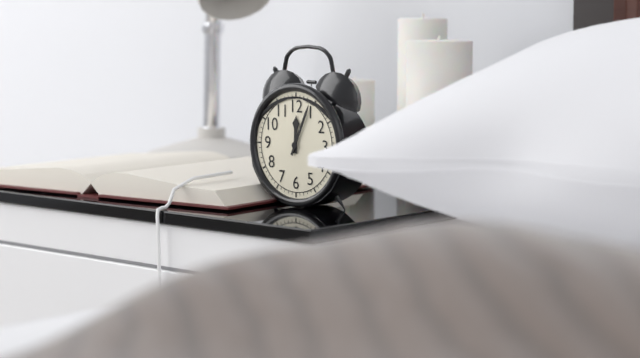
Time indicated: 12:04
